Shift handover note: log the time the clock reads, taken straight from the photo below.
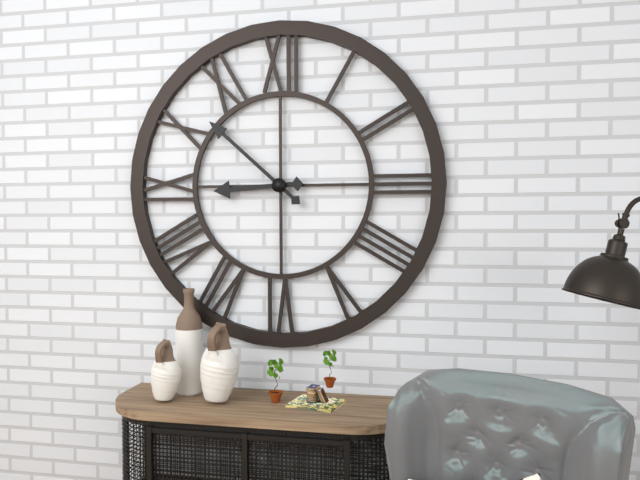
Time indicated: 8:52
